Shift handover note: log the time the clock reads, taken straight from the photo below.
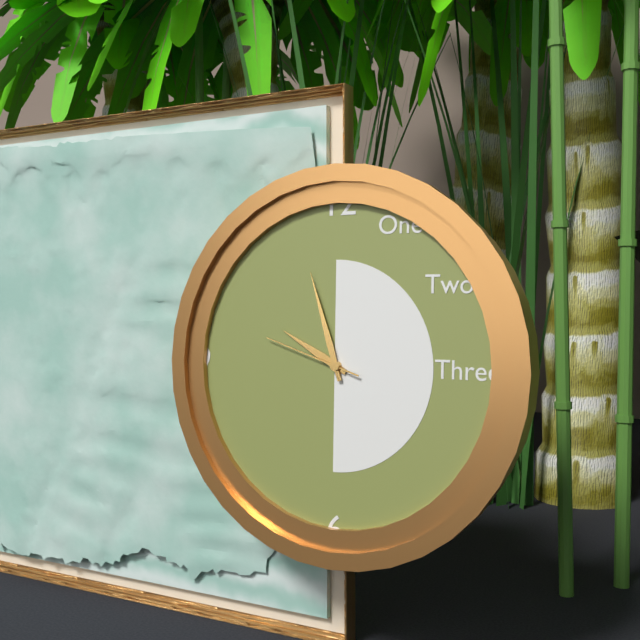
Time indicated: 9:57:48
